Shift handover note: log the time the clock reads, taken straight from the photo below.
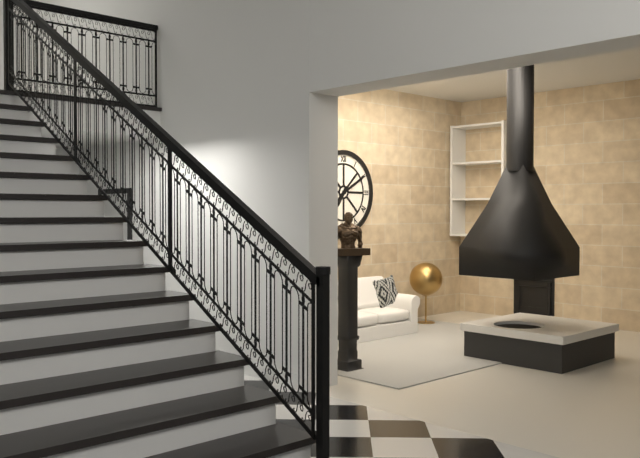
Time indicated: 7:10
